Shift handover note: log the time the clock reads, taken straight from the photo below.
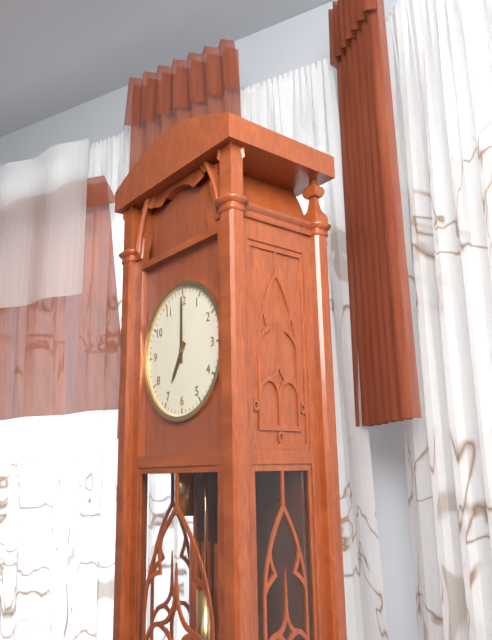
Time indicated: 7:00
